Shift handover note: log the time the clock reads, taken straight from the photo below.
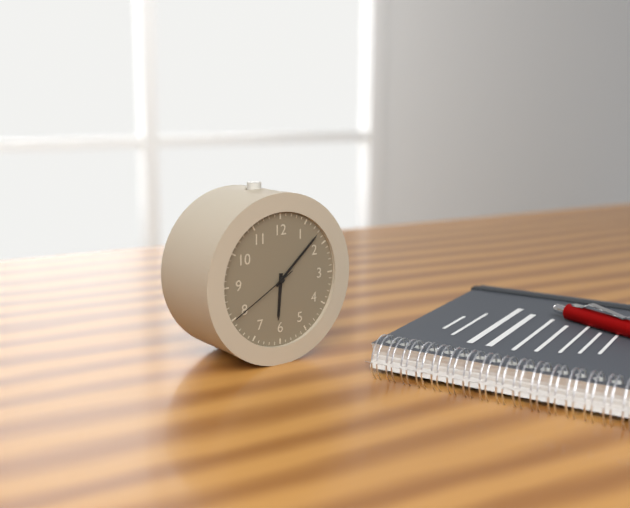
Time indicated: 6:08:40
